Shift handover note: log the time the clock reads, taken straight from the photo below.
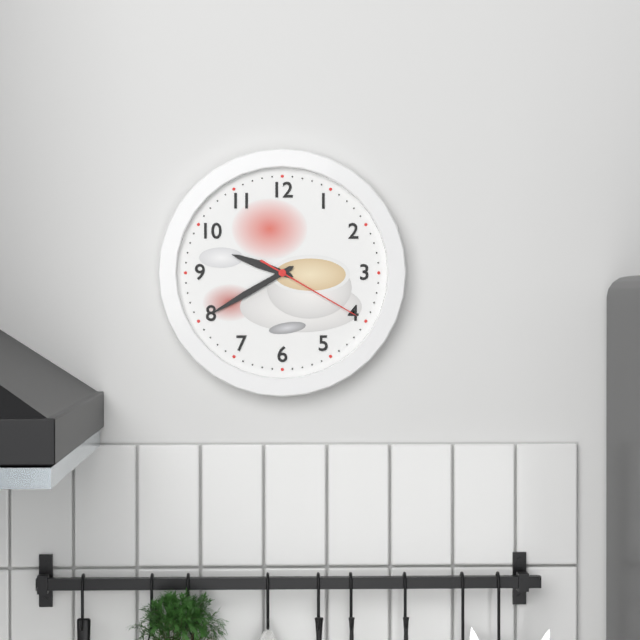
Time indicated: 9:40:20
